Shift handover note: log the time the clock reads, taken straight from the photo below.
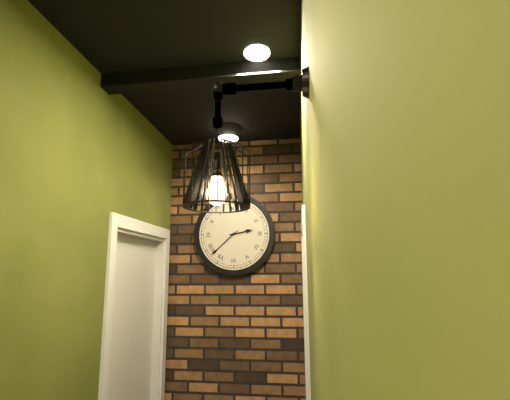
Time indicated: 2:38
